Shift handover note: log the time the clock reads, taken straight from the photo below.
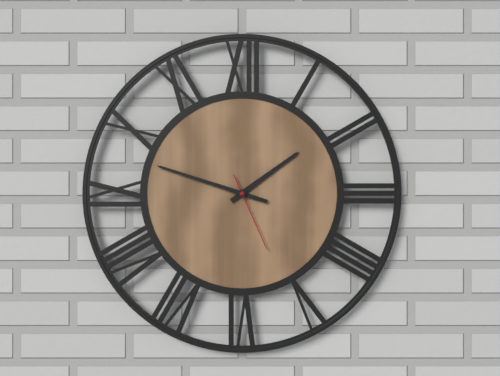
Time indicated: 1:48:26
